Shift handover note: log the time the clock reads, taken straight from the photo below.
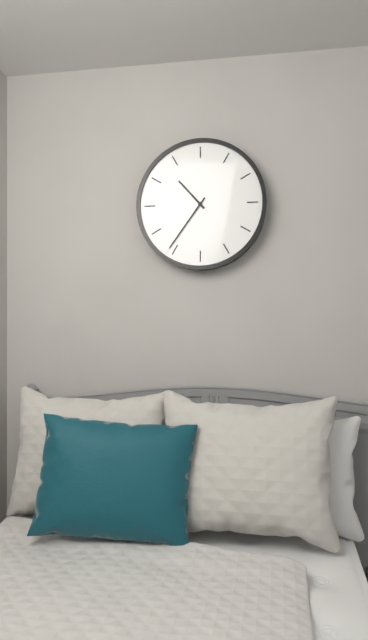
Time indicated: 10:36
